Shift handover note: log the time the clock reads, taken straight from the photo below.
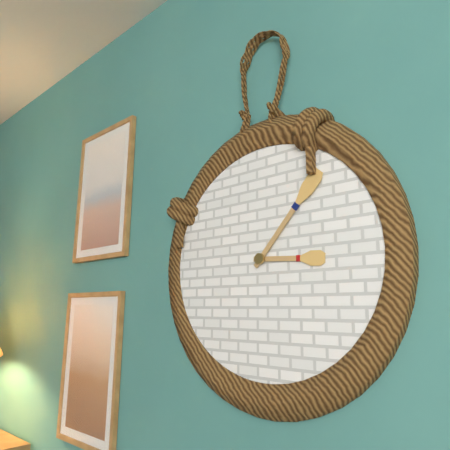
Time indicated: 3:07
